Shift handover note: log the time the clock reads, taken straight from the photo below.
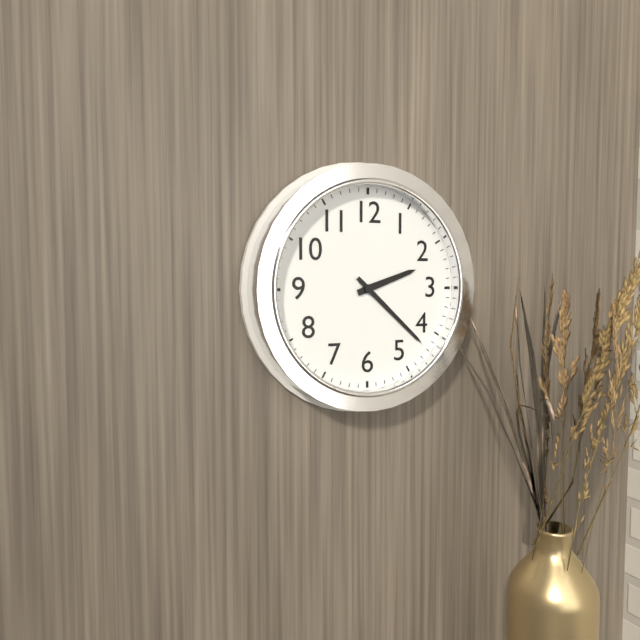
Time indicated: 2:22
